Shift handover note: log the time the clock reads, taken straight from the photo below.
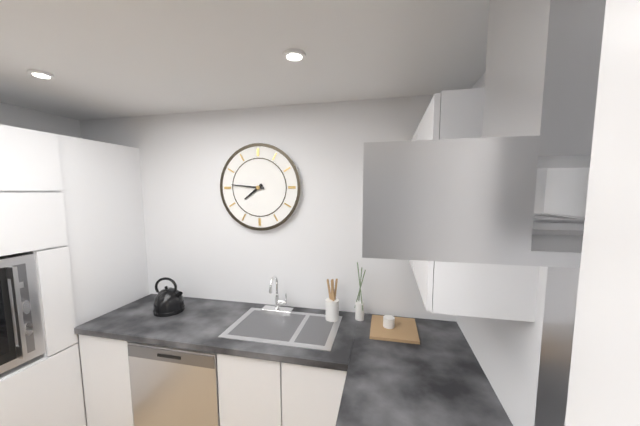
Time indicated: 7:46
